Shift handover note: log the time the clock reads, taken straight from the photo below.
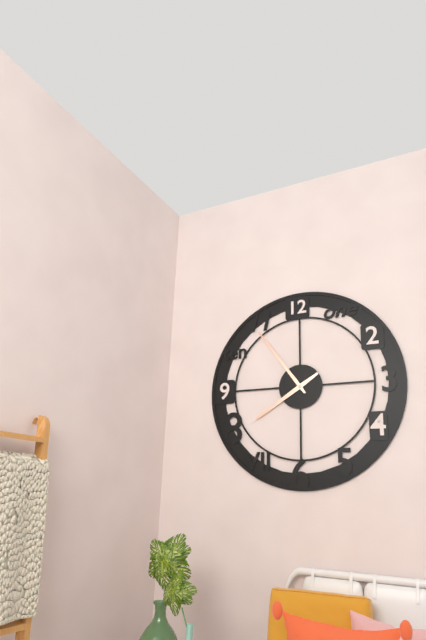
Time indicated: 7:54
